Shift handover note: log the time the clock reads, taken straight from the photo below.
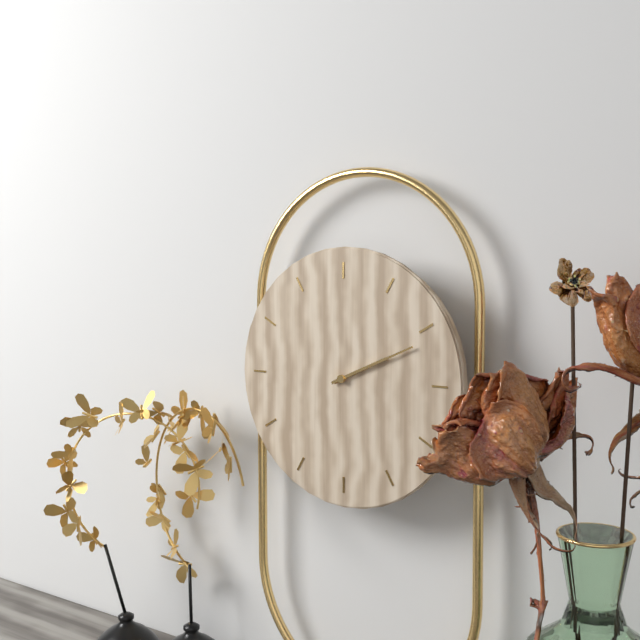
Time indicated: 2:11
